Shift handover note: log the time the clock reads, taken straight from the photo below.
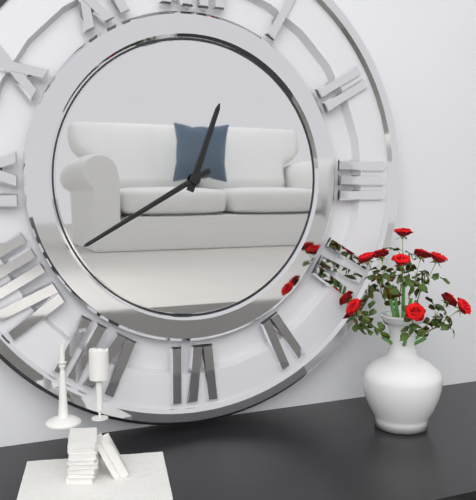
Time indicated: 12:40
